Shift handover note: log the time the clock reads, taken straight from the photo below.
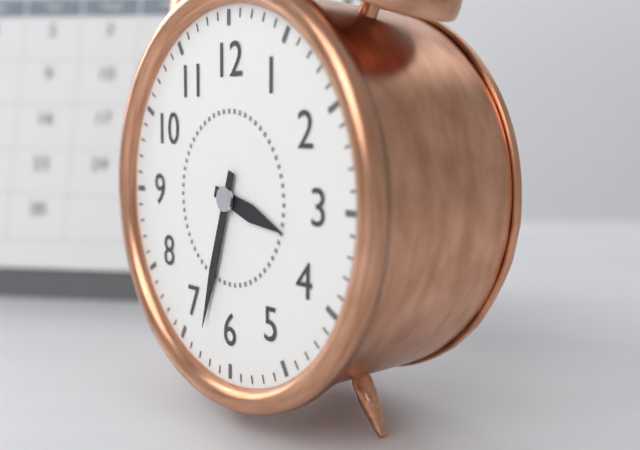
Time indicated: 3:33
